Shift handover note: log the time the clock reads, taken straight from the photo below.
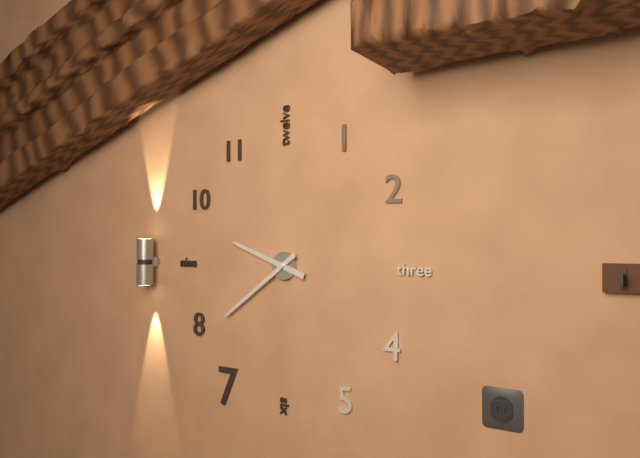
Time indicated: 9:39
